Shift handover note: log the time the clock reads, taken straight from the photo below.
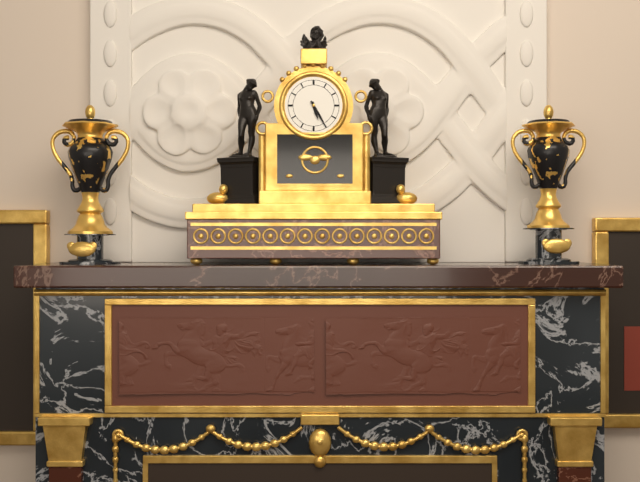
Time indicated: 5:25
